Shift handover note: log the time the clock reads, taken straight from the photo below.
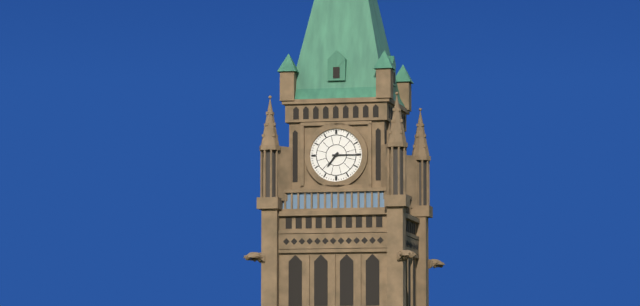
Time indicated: 7:15
